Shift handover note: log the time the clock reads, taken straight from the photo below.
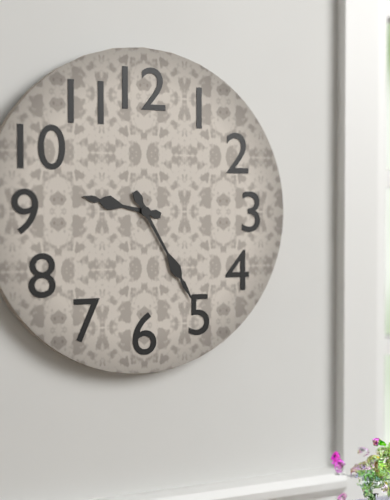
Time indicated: 9:25
